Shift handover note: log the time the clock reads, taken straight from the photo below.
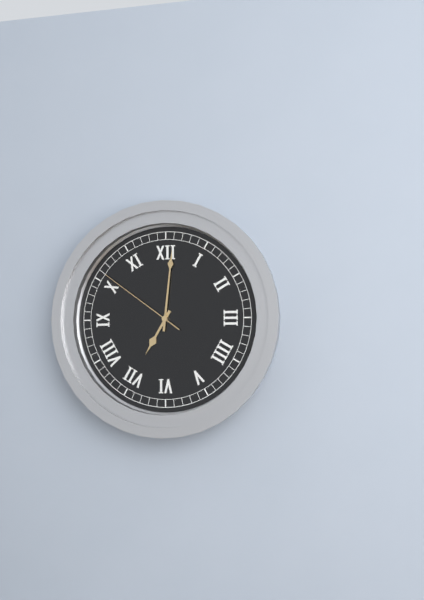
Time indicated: 7:01:51
